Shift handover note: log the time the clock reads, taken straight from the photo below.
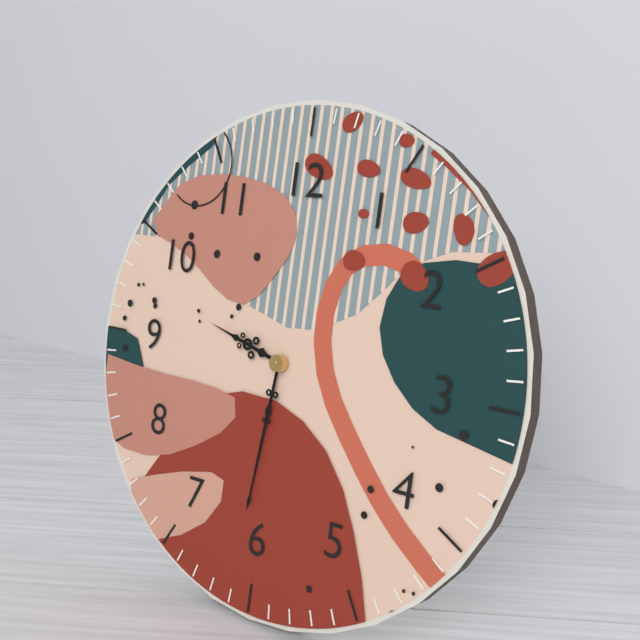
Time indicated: 9:31
